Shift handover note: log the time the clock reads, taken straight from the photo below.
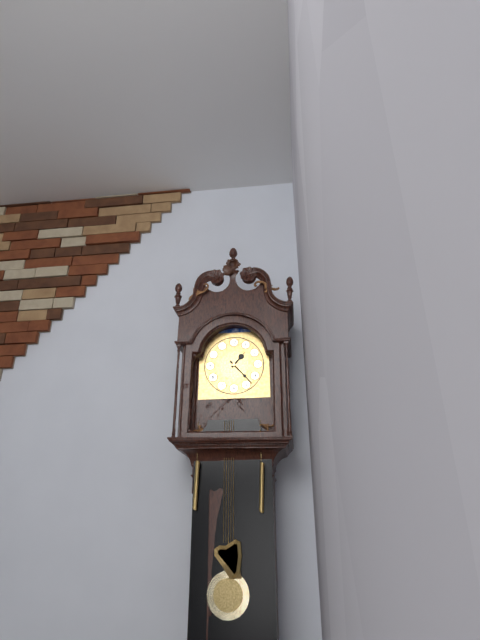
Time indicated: 1:23
